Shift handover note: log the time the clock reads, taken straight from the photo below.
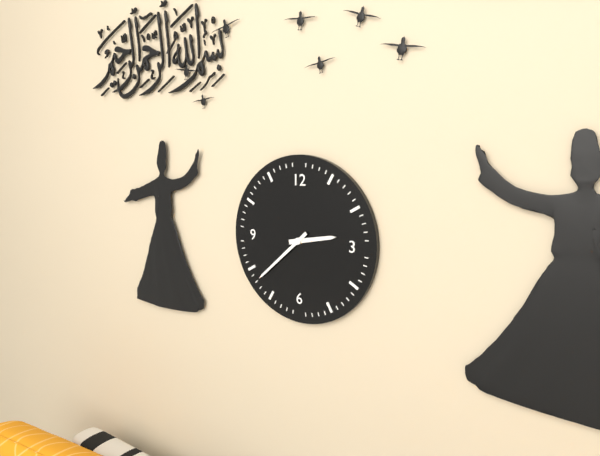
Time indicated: 2:38
